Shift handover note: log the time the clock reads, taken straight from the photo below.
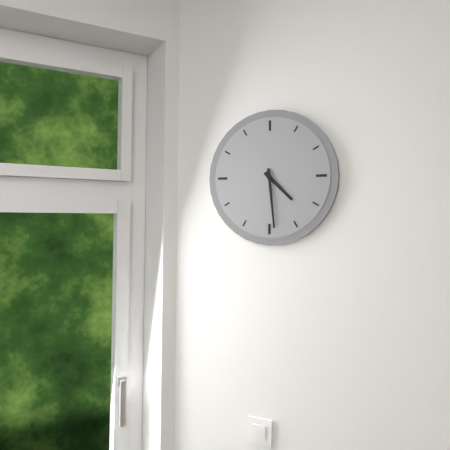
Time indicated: 4:29
